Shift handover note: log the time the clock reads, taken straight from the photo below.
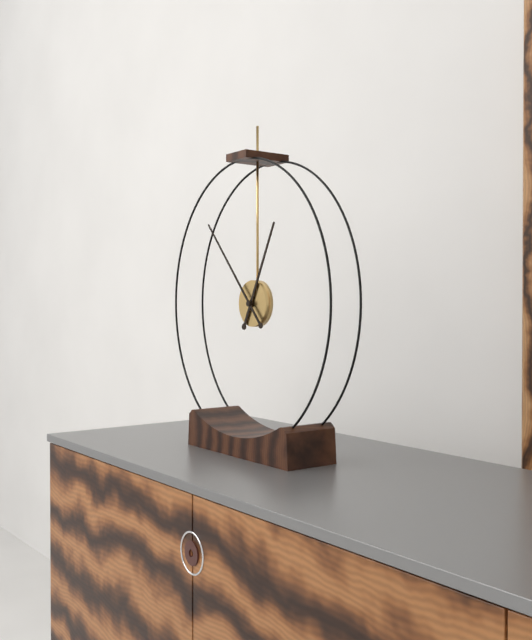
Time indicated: 12:53
